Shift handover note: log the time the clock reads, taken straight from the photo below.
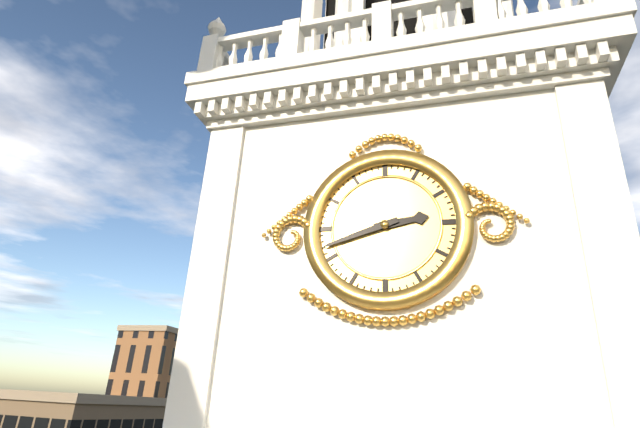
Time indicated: 2:42
